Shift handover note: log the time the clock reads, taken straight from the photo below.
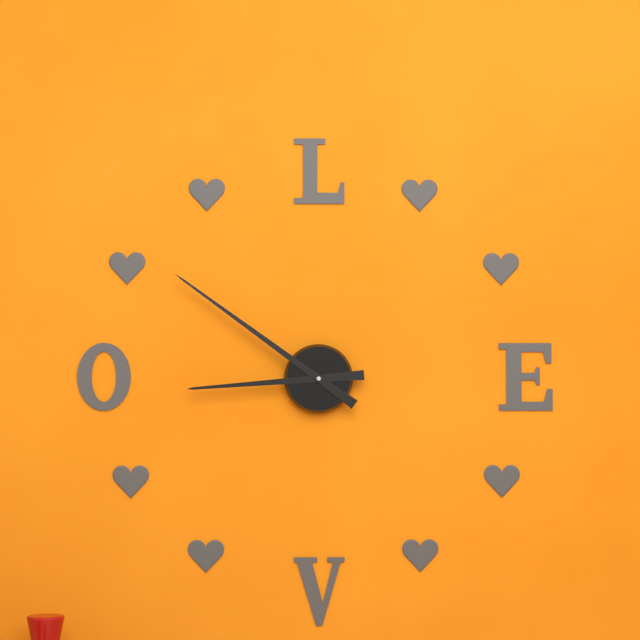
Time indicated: 8:51
